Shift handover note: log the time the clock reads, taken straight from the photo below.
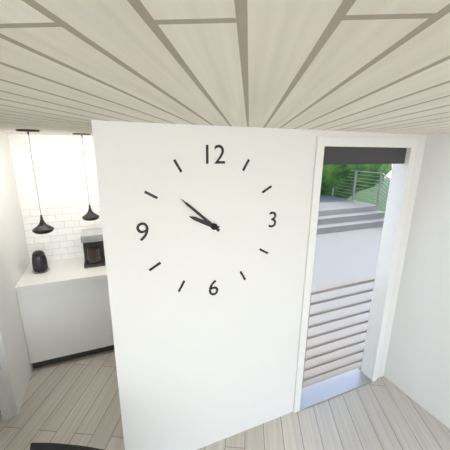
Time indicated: 9:52
